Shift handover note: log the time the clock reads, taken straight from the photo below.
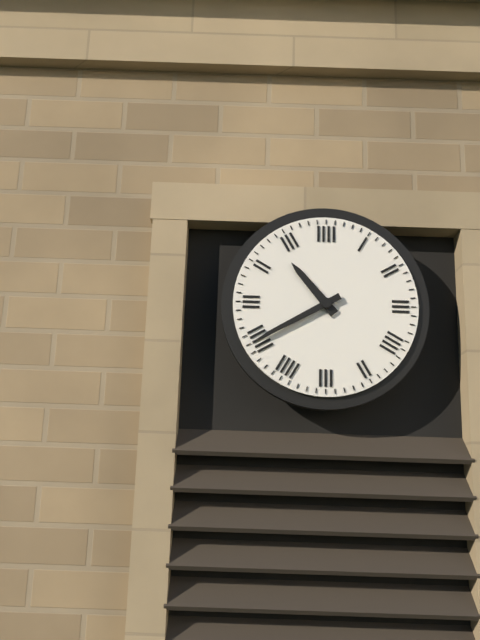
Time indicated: 10:40
